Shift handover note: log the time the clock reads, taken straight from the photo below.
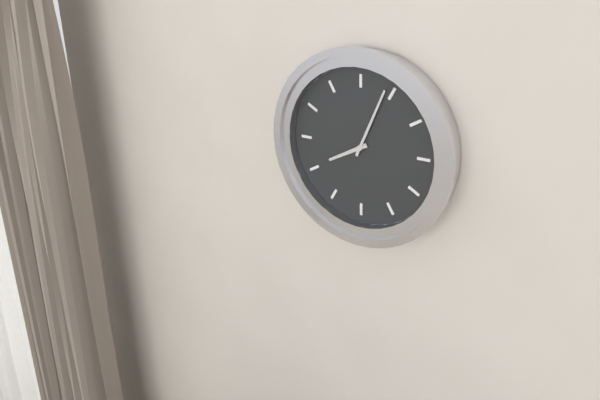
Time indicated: 8:04
